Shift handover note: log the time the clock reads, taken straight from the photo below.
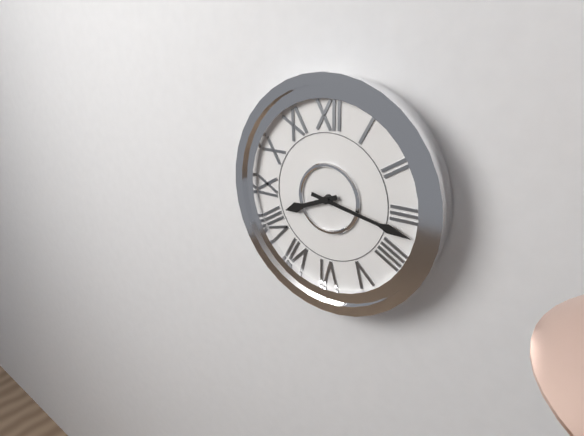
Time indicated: 8:17
